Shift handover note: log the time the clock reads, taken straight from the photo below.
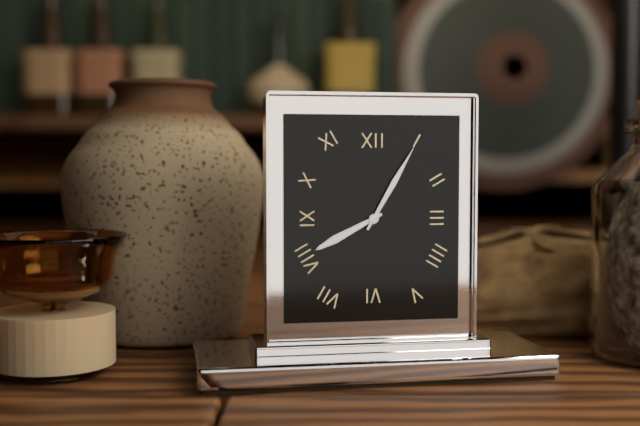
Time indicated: 8:05
